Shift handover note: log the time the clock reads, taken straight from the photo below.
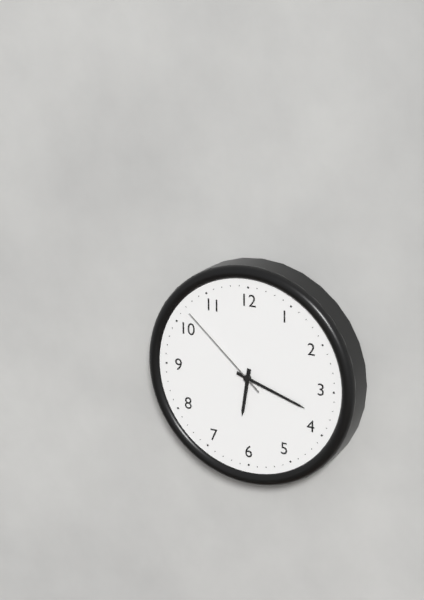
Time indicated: 6:18:52
